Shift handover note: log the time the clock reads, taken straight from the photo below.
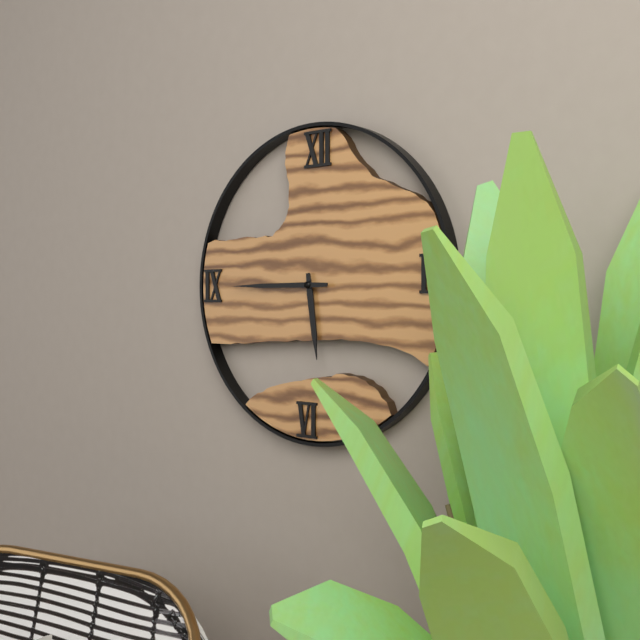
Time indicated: 5:45
